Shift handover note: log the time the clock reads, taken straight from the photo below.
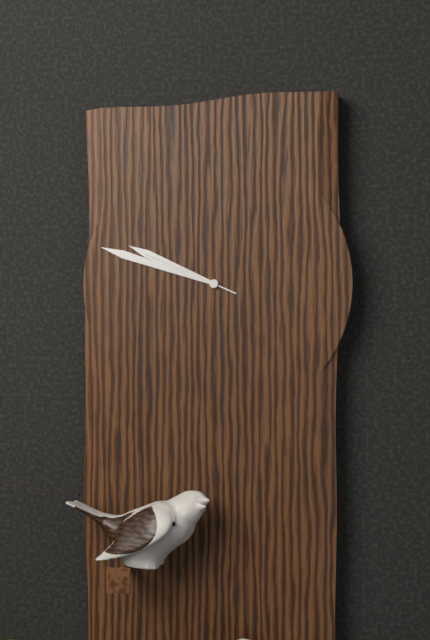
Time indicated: 9:48:49
